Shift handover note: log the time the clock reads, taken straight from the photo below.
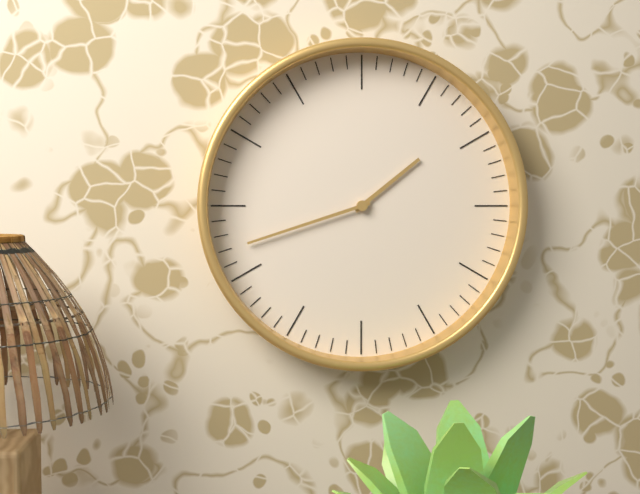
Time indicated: 1:42
